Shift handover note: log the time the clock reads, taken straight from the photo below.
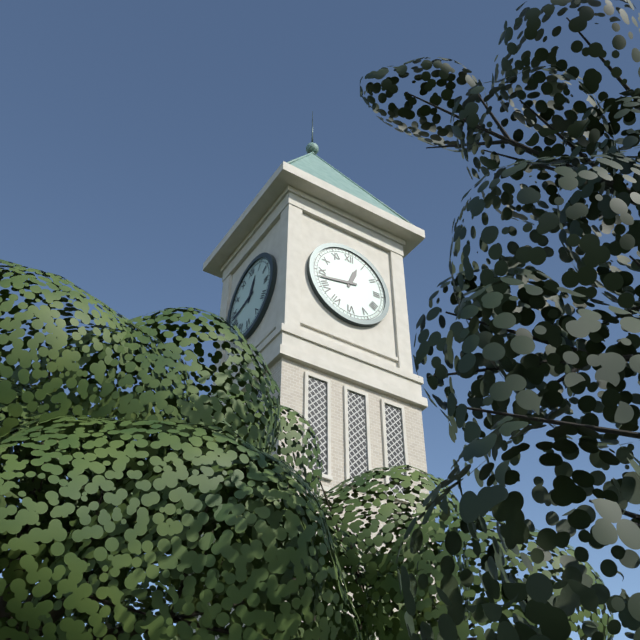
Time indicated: 12:43
